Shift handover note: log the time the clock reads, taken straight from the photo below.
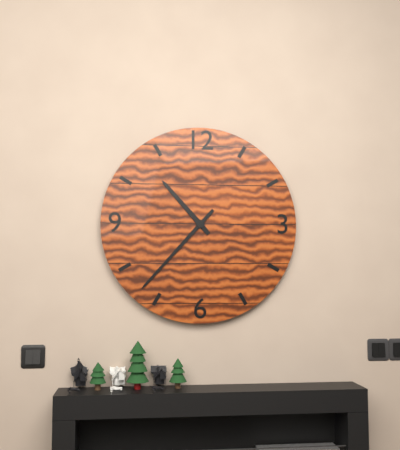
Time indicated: 10:37
